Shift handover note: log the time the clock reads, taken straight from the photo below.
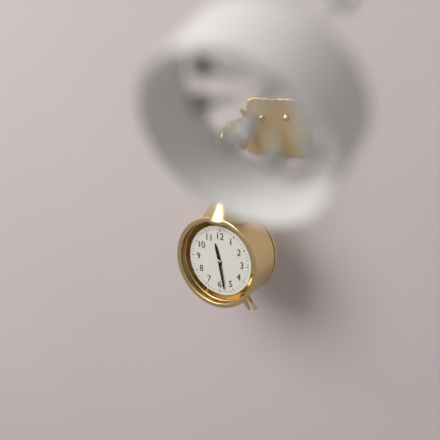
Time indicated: 11:28
